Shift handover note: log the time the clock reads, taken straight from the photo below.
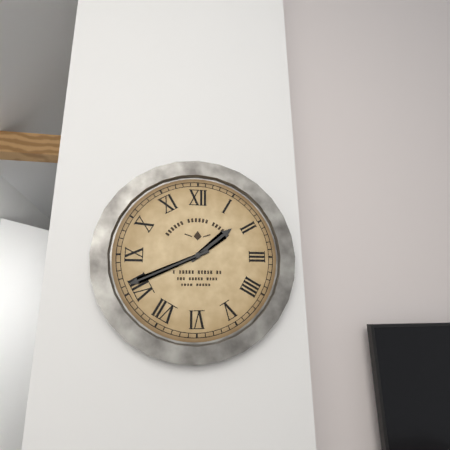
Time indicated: 1:41
